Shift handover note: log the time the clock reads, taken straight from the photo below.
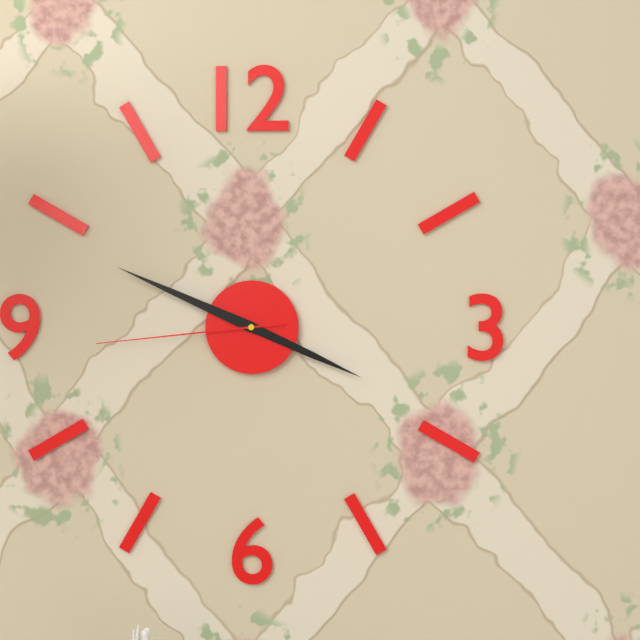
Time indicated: 3:49:44
